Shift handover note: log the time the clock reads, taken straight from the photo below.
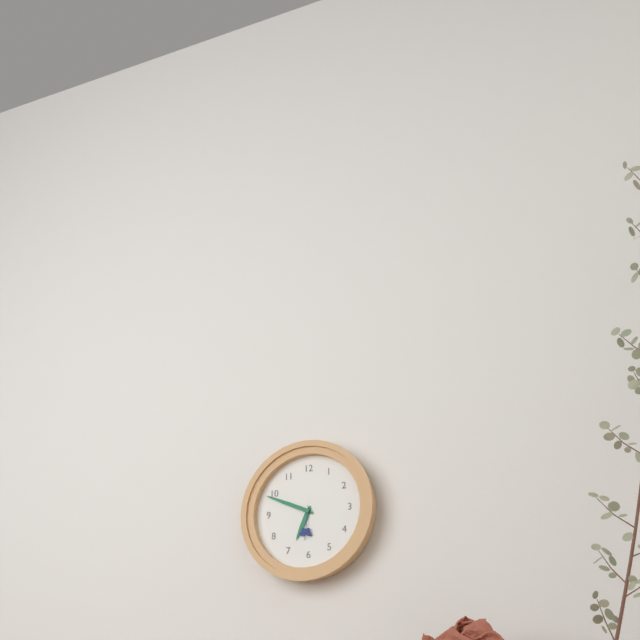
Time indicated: 6:49
